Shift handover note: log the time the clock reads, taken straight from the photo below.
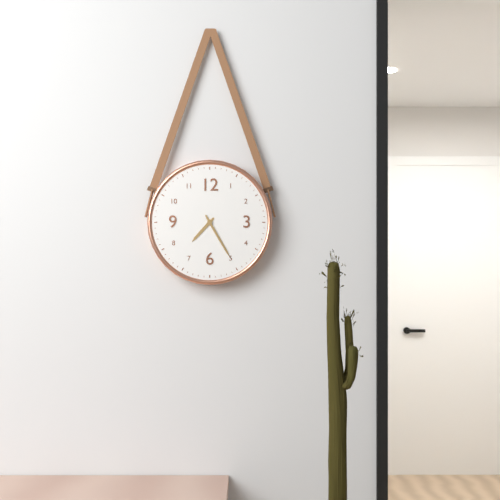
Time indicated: 7:25
